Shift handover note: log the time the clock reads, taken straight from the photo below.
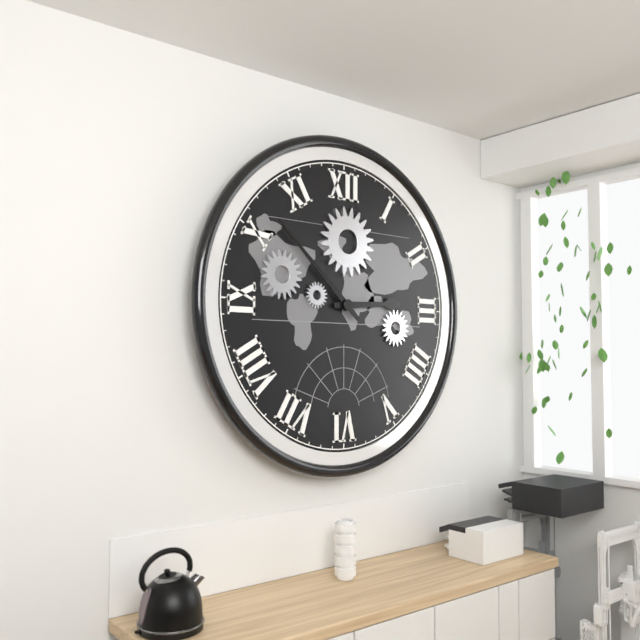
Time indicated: 2:52
